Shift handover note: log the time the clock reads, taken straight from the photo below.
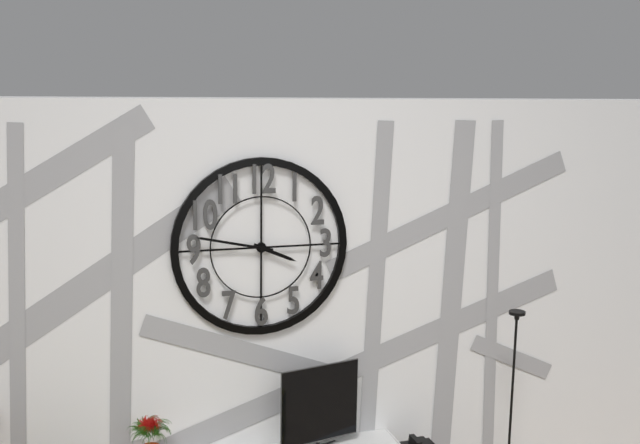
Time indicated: 3:47
